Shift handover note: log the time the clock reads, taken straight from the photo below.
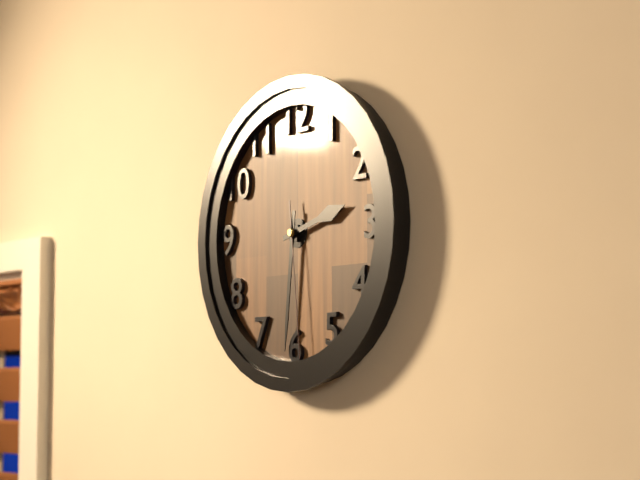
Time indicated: 2:31:29
